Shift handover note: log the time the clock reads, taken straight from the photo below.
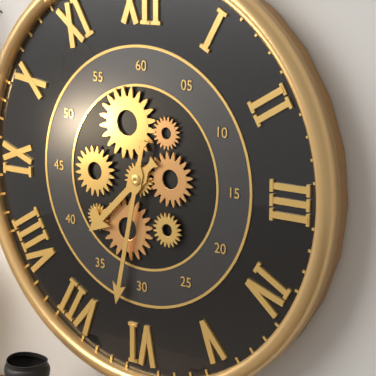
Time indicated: 7:32
